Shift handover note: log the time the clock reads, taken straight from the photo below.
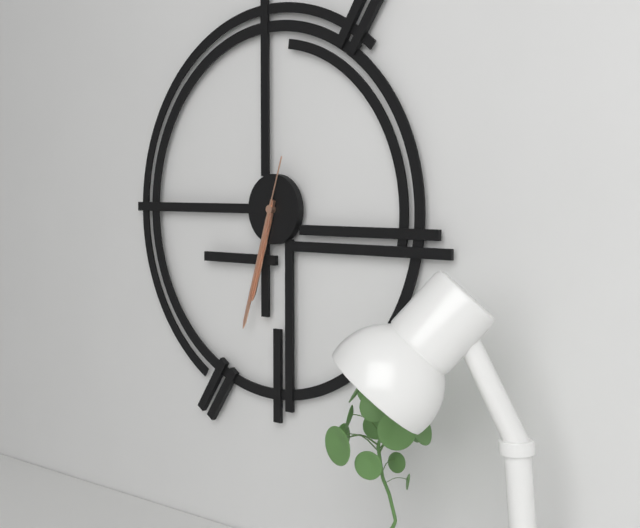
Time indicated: 6:33:33
